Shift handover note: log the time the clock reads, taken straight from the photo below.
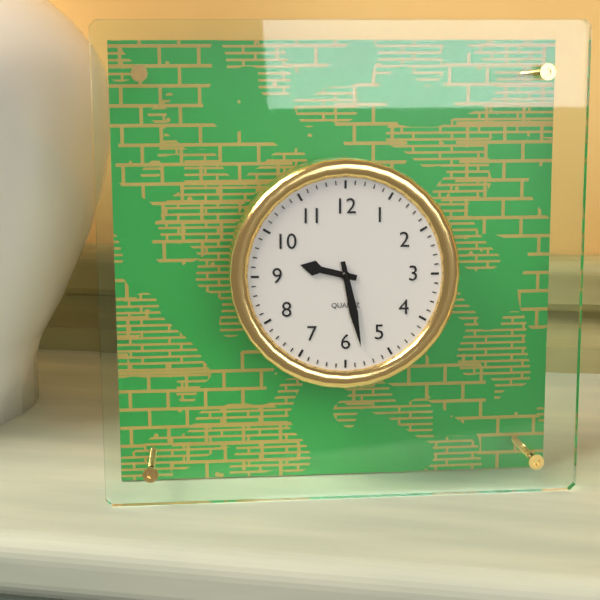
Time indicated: 9:28
